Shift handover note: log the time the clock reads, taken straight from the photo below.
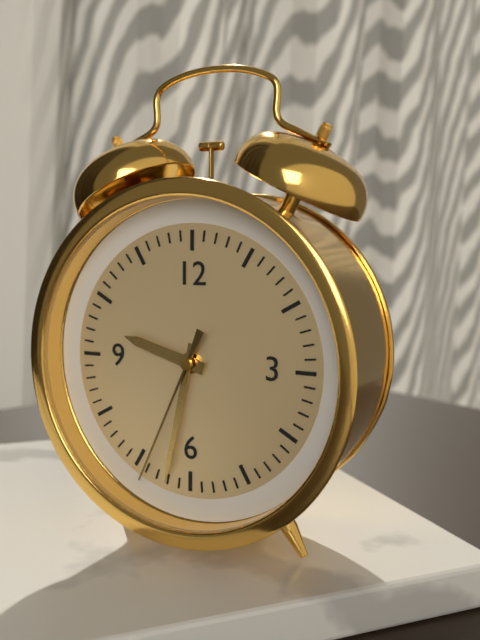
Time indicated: 9:32:34
